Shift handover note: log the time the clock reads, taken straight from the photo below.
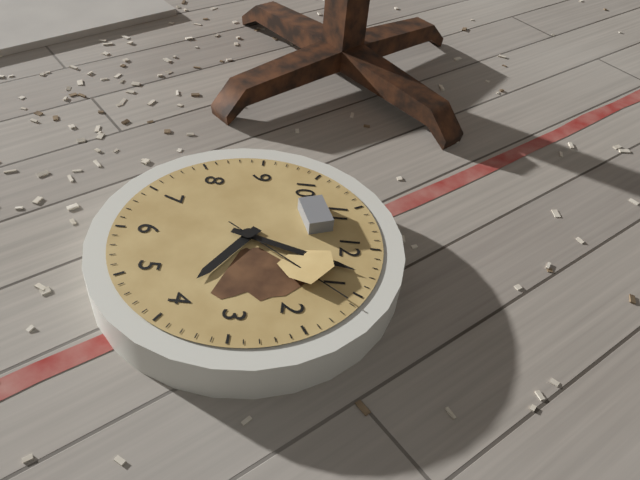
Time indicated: 4:03:06
